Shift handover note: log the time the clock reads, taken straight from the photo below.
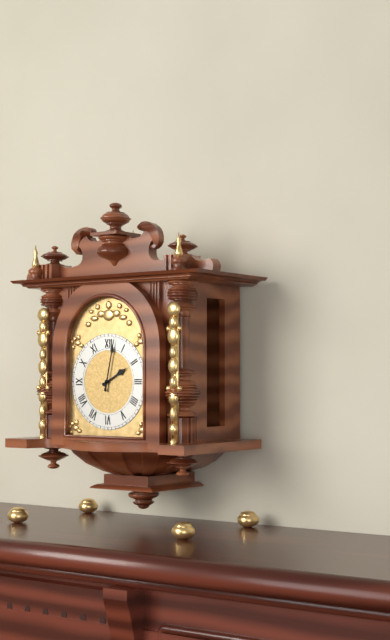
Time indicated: 2:02
